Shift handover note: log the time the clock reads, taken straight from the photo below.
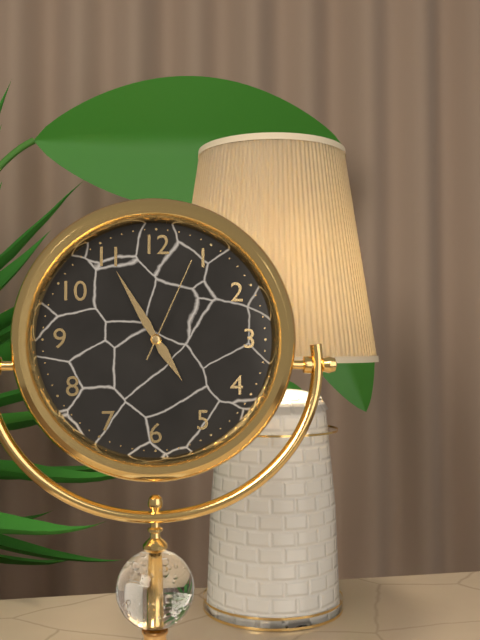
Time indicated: 4:55:04
